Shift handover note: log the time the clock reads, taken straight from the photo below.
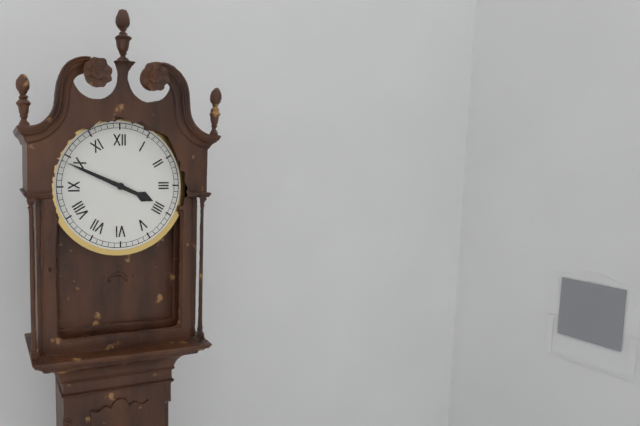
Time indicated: 3:49
